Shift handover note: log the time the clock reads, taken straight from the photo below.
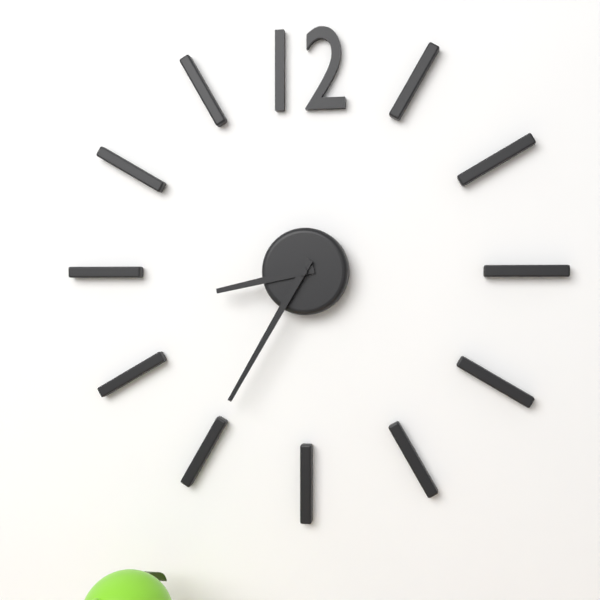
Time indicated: 8:35
